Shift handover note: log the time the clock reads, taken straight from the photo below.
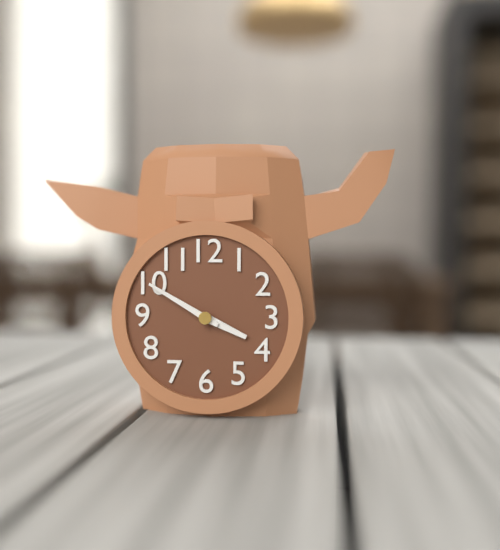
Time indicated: 3:50
